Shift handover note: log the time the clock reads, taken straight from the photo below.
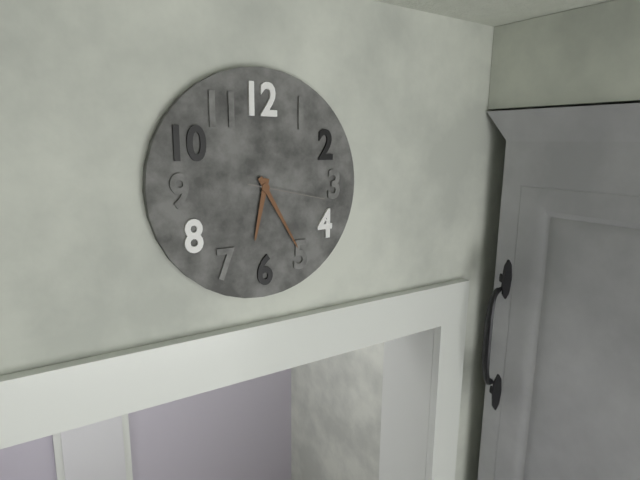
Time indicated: 6:25:17
